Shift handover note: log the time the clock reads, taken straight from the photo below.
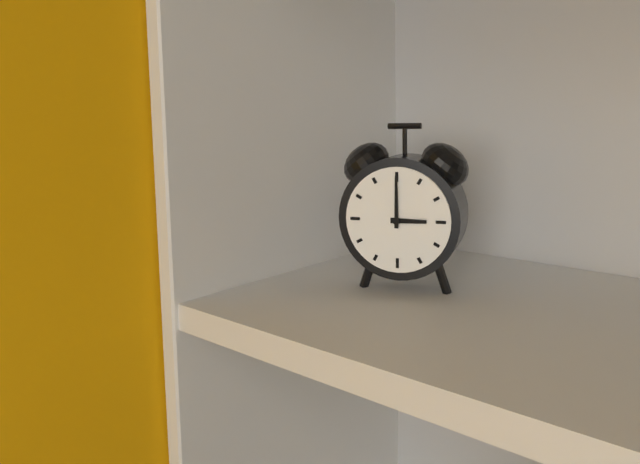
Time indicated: 3:00
